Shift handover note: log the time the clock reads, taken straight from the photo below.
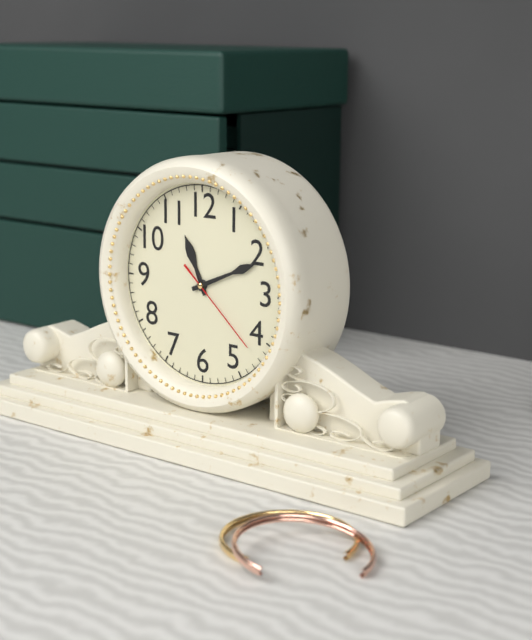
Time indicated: 11:11:22
